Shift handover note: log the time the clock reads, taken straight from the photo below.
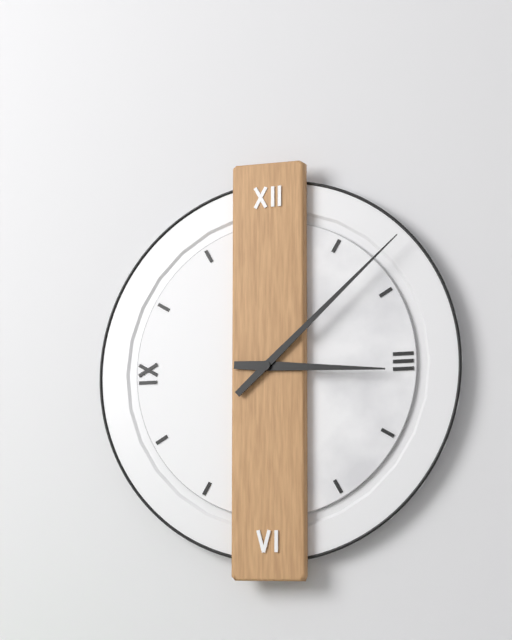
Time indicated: 3:08
